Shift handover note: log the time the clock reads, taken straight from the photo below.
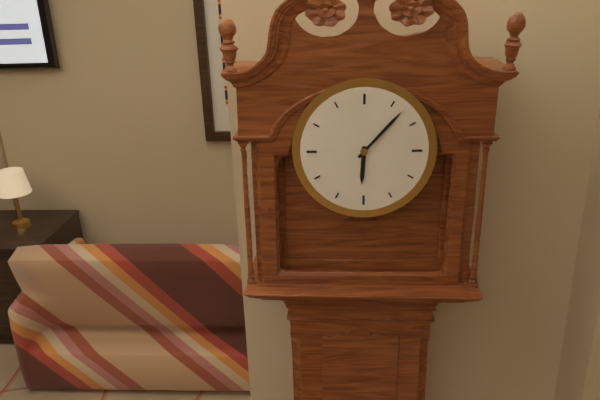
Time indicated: 6:07
